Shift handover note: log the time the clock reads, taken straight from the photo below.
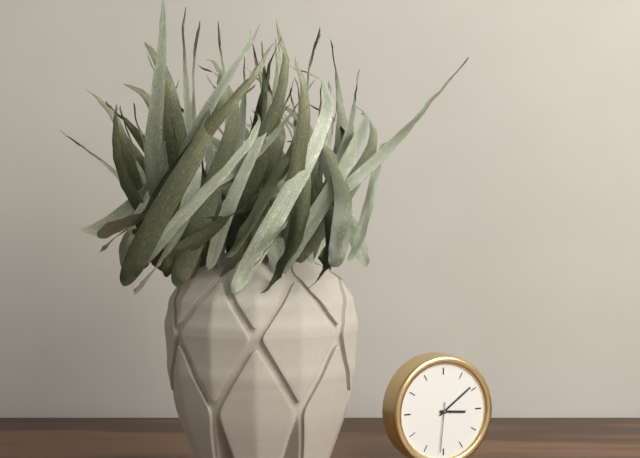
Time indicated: 3:09:31
